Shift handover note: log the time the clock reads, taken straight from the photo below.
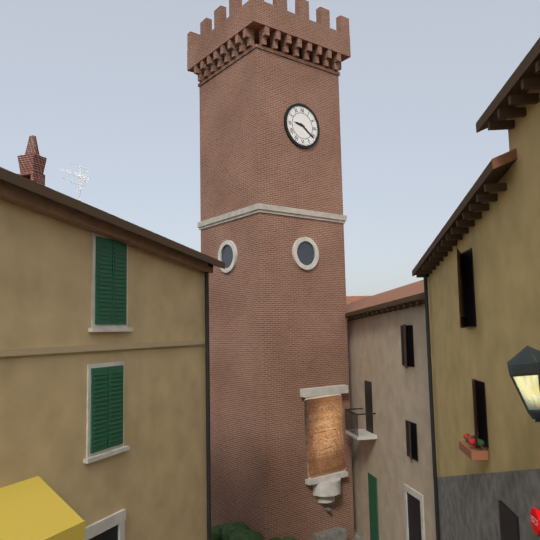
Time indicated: 9:21
